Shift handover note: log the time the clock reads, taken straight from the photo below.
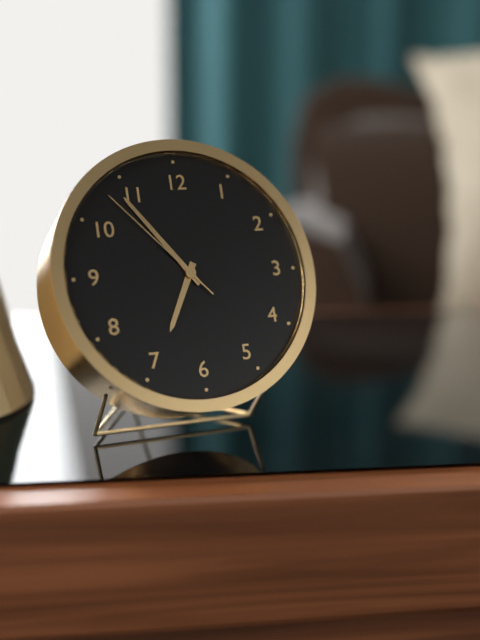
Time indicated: 6:54:53
